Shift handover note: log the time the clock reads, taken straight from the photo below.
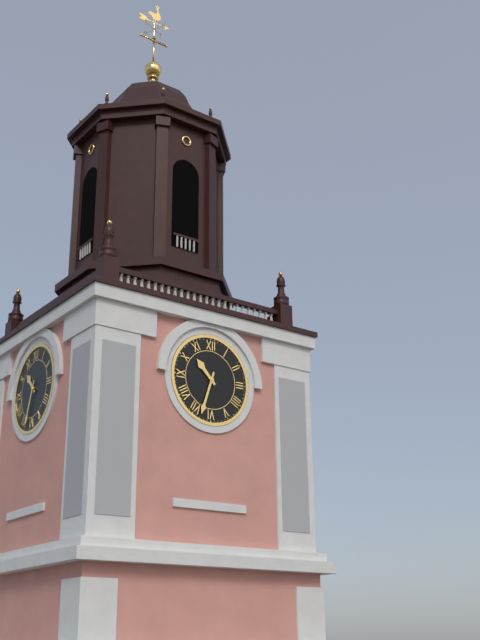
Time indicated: 10:33
